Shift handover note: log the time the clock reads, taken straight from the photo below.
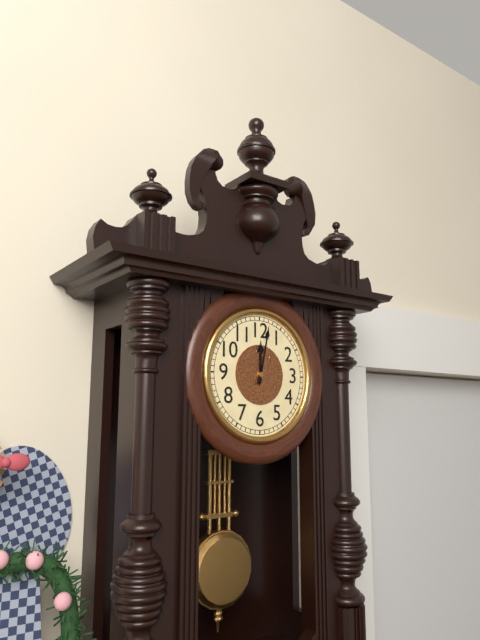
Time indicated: 12:02
